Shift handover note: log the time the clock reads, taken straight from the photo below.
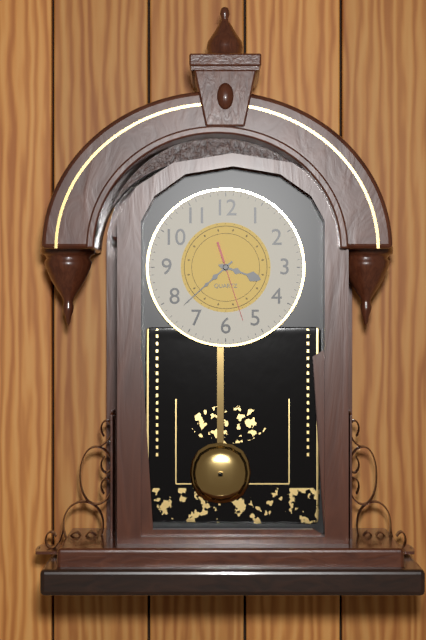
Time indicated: 3:38:27
